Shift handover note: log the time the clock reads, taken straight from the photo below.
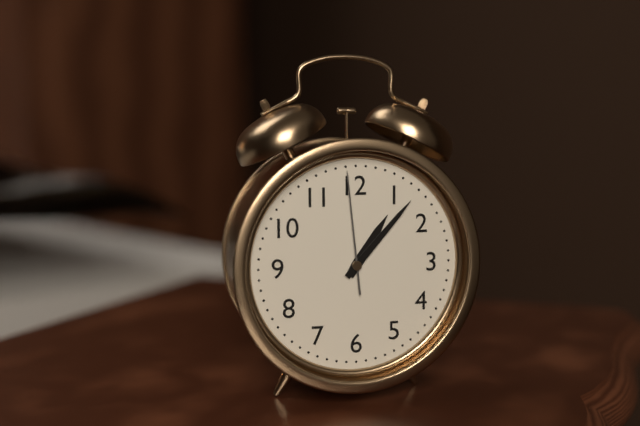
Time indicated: 1:07:59
